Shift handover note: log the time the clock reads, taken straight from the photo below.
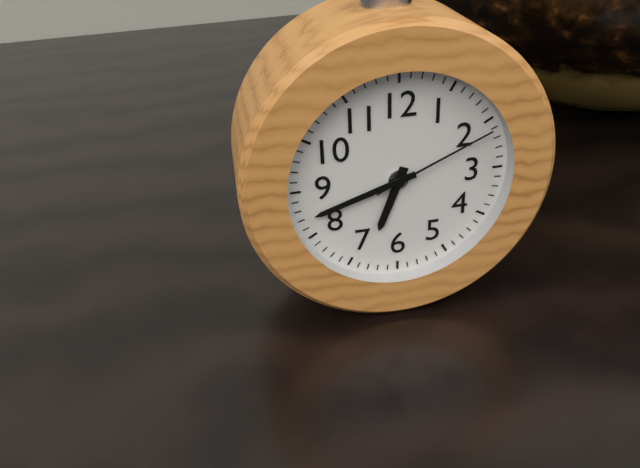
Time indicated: 6:42:11
